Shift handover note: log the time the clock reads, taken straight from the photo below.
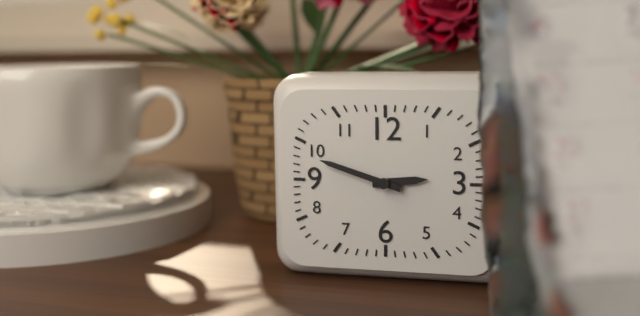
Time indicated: 2:48
